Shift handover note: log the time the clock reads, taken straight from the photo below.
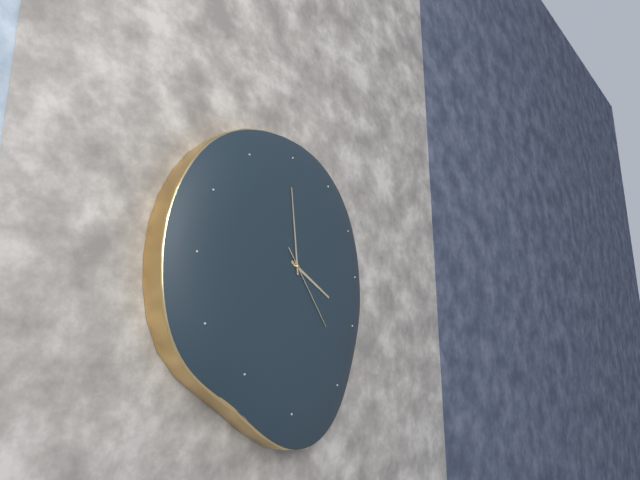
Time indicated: 3:59:24
